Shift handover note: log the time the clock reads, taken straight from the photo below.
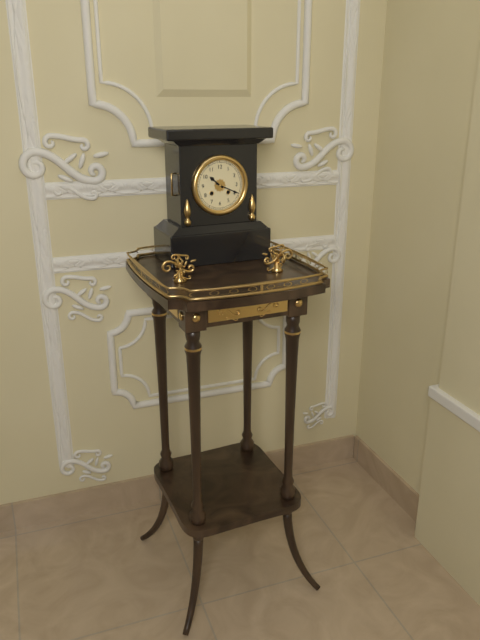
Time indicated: 10:19
